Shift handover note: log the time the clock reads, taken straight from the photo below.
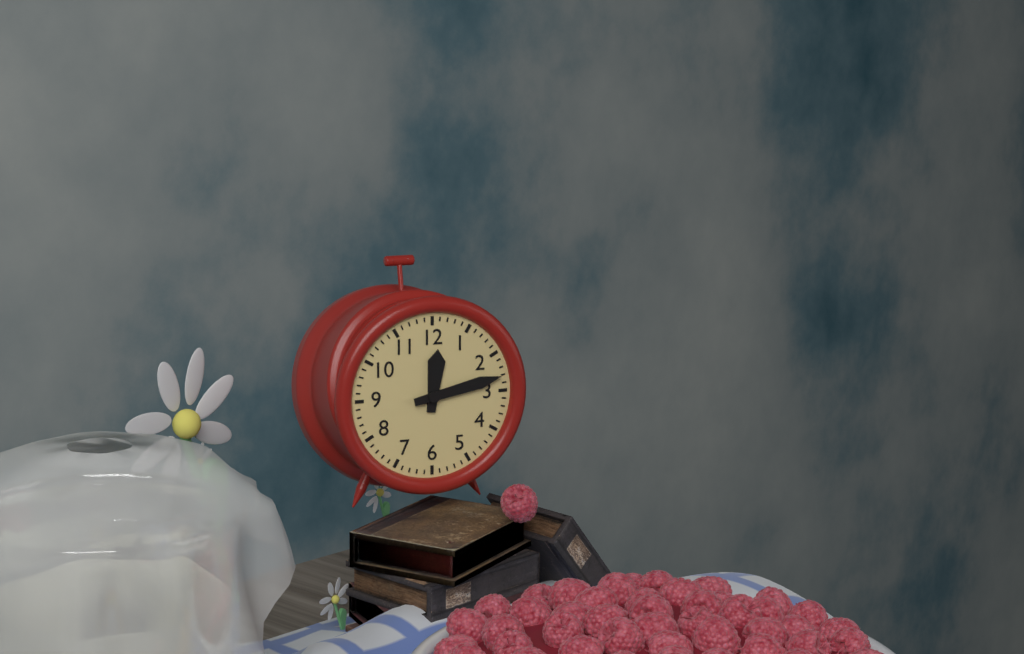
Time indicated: 12:13
